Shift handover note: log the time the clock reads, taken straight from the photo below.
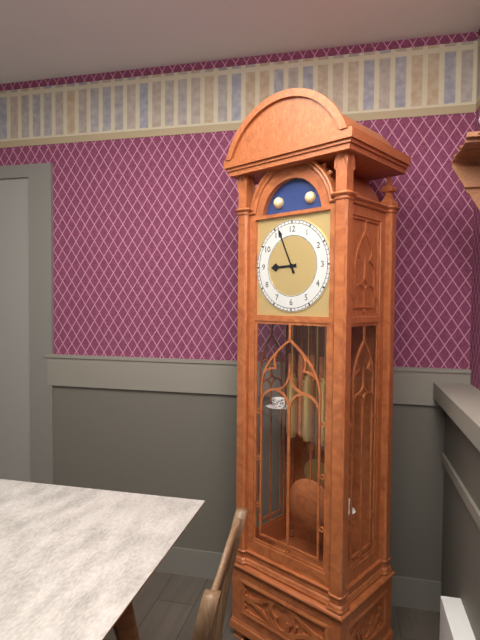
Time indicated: 8:56
